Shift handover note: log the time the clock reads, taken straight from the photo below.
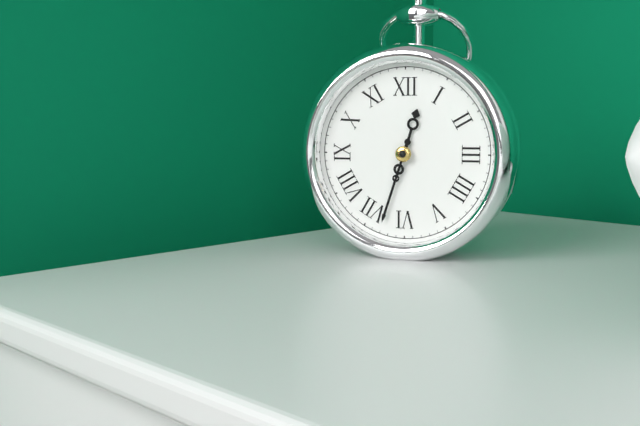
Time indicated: 12:33
